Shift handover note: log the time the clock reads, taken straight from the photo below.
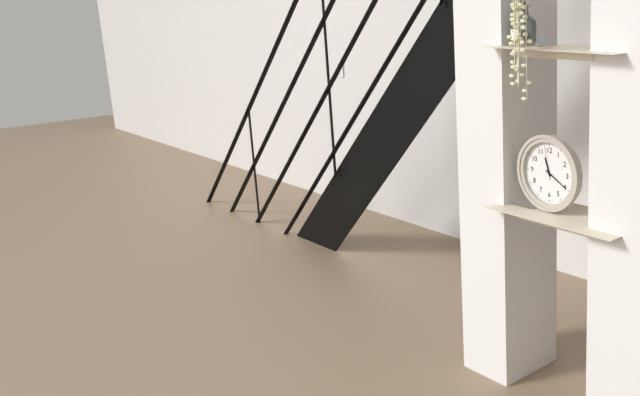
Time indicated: 11:20
